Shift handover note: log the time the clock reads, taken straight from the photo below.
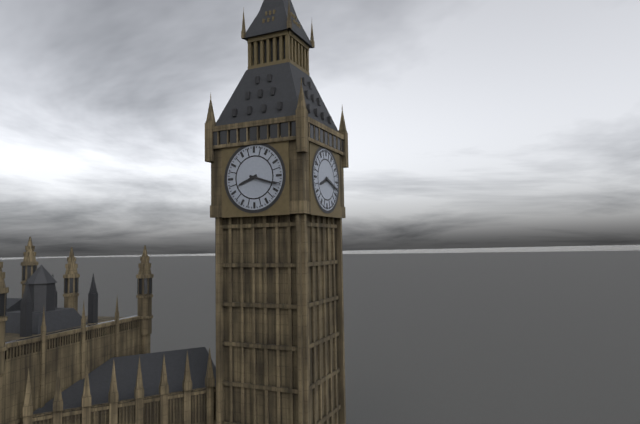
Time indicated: 8:18
